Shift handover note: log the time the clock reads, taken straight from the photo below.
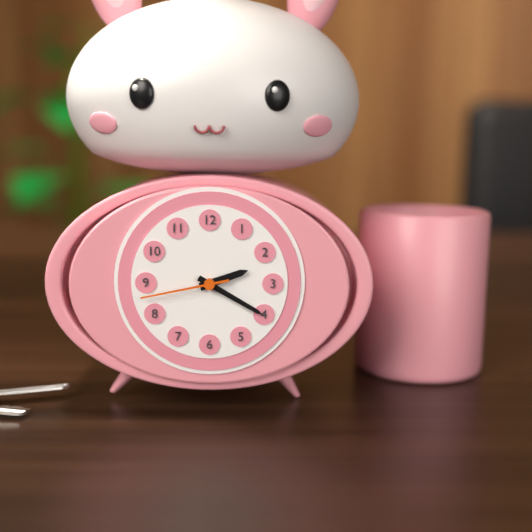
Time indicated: 2:20:43
